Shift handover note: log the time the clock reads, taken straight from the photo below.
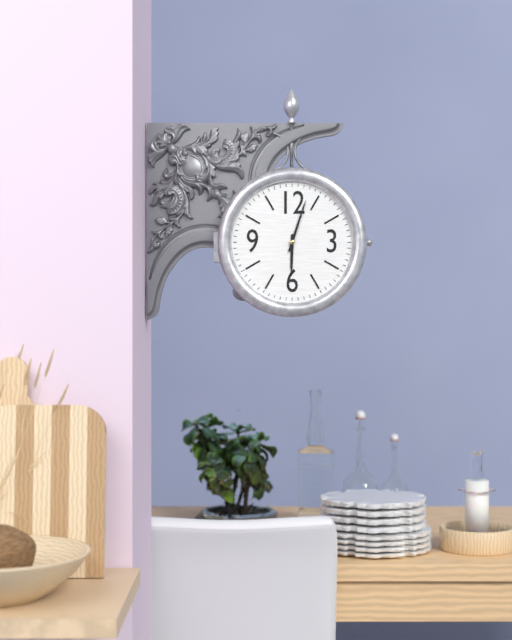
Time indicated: 6:03
